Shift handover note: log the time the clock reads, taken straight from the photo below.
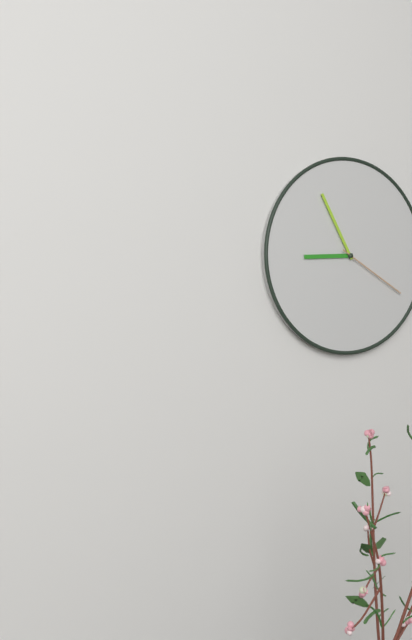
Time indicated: 8:55:20
